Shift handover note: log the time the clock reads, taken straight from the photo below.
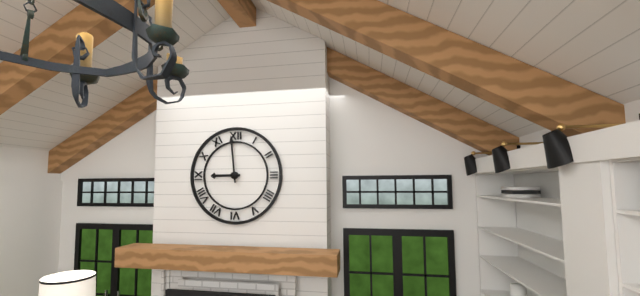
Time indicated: 8:59
